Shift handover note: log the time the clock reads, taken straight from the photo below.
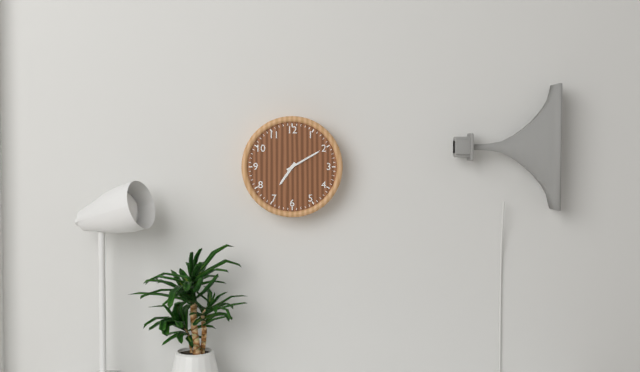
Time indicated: 7:10
